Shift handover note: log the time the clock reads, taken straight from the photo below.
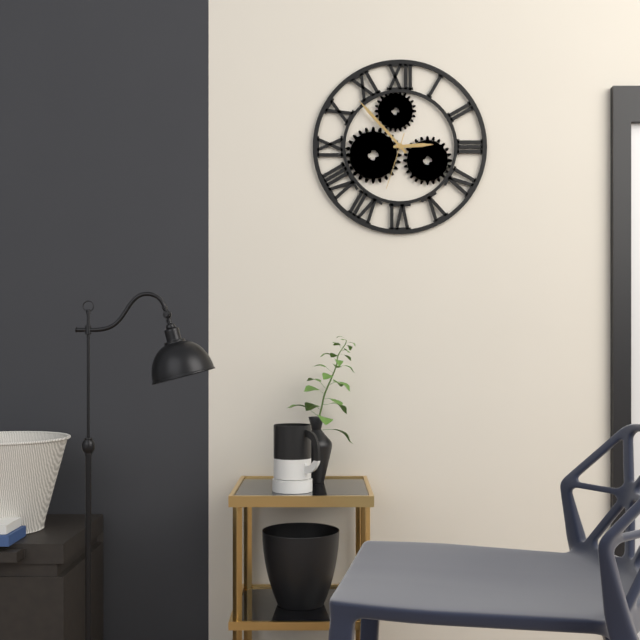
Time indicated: 2:53:33
